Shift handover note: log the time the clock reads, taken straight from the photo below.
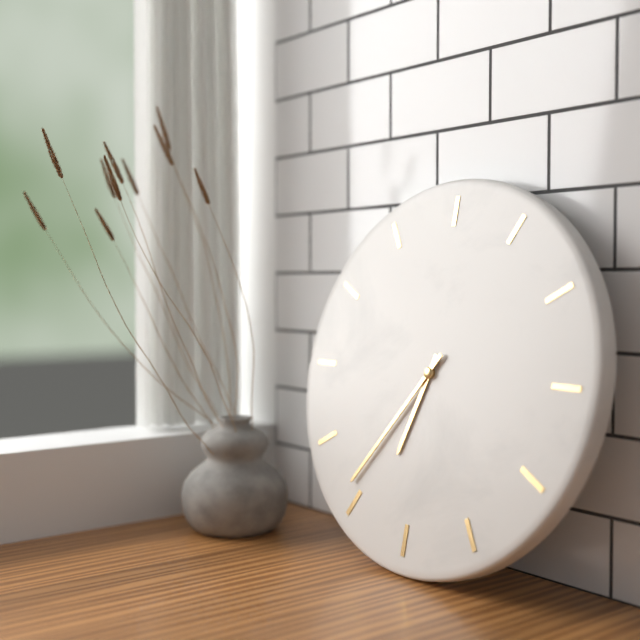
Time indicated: 6:36
